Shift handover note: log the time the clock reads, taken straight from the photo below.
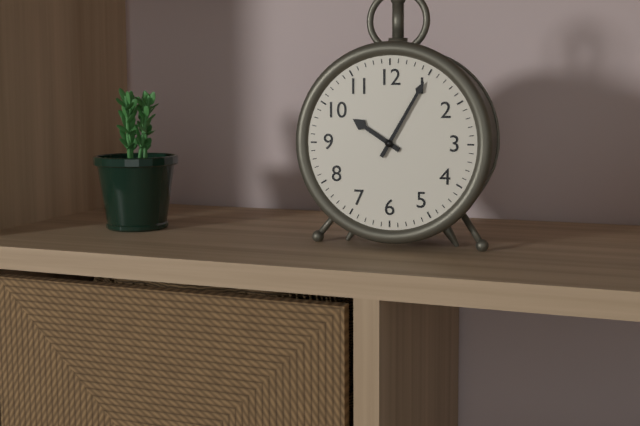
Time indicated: 10:05
